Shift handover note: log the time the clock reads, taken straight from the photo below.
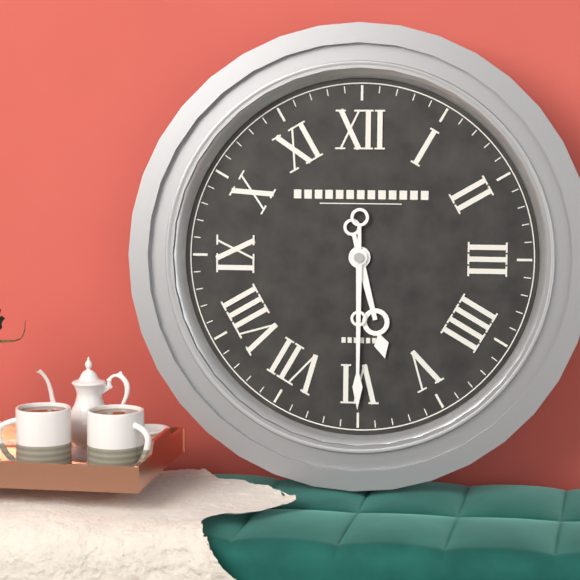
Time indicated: 5:30
